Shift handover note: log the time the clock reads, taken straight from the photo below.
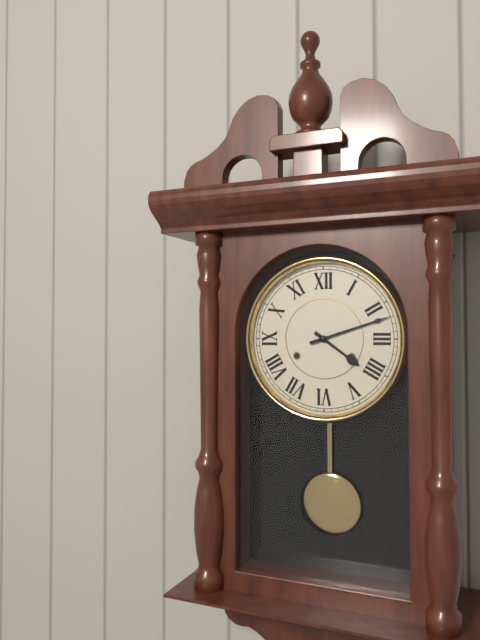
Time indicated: 4:12
